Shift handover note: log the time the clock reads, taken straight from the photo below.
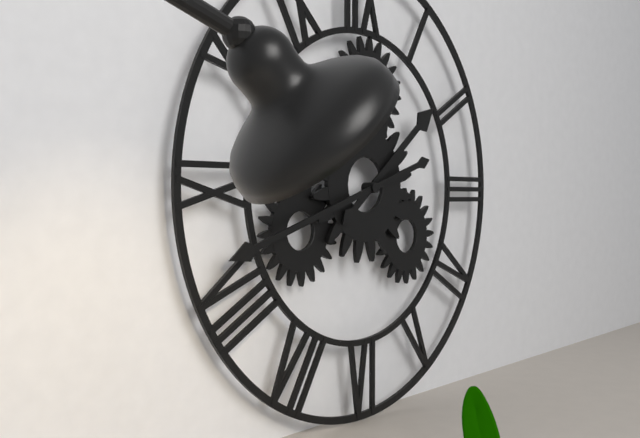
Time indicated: 1:42
